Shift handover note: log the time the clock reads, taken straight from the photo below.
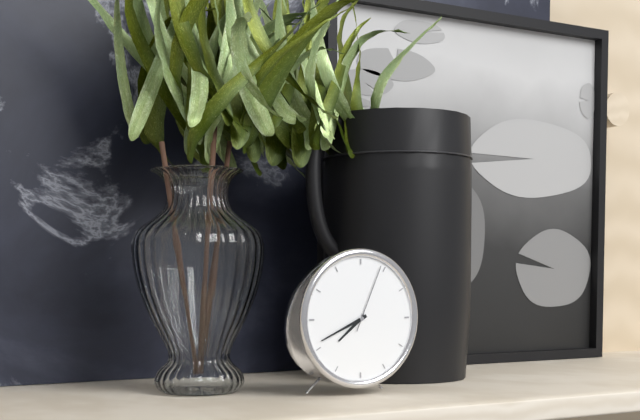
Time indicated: 7:41:04
